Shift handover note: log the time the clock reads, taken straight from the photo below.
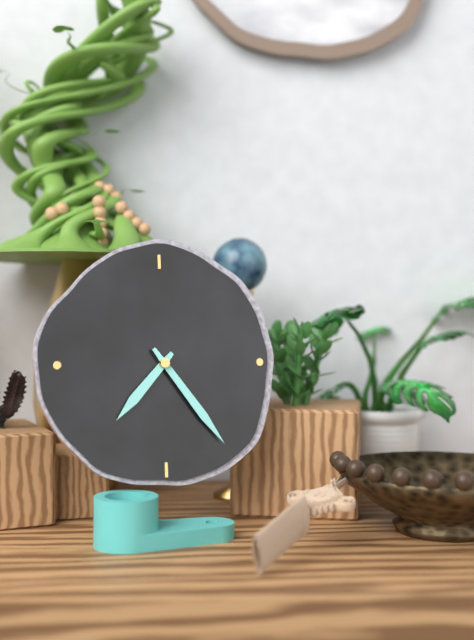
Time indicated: 7:24
